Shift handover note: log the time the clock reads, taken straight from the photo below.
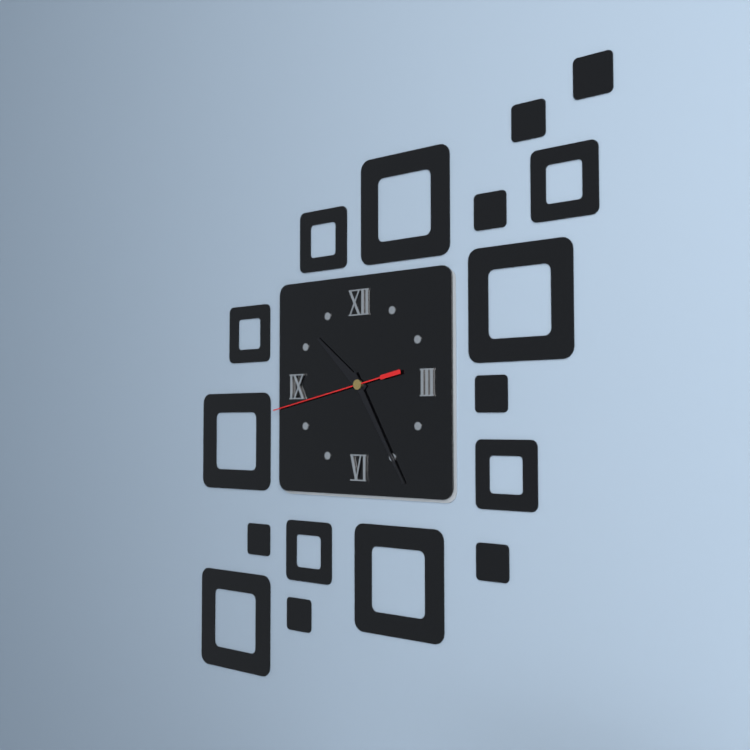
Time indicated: 10:25:43
